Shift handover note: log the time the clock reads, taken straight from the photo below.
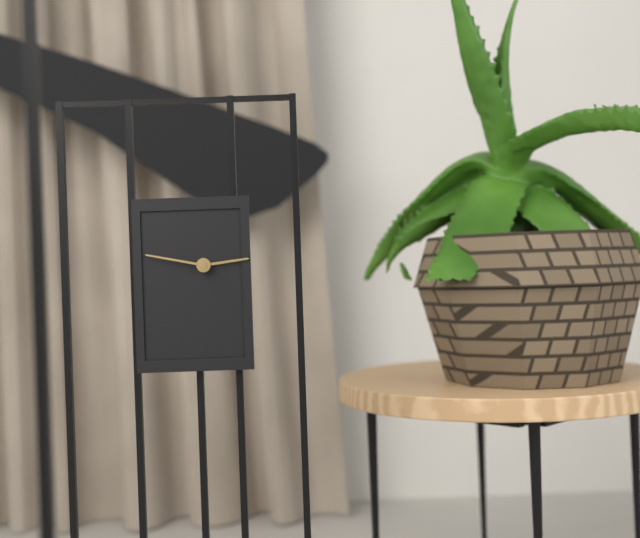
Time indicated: 2:47
